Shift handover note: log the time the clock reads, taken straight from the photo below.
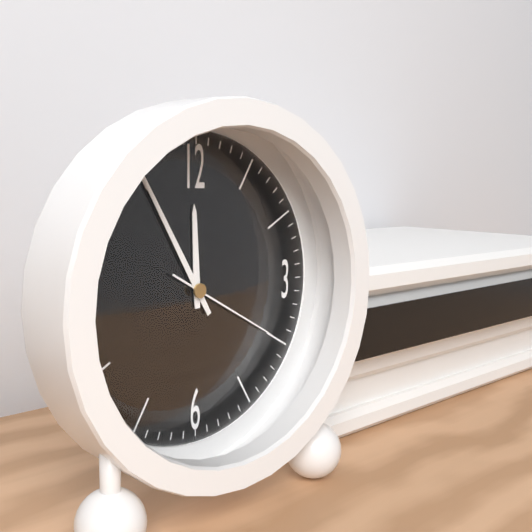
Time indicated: 11:55:20
